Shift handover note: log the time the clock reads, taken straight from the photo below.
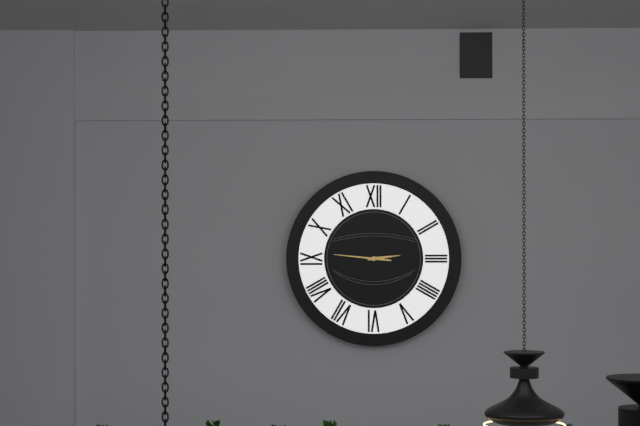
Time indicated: 2:46
